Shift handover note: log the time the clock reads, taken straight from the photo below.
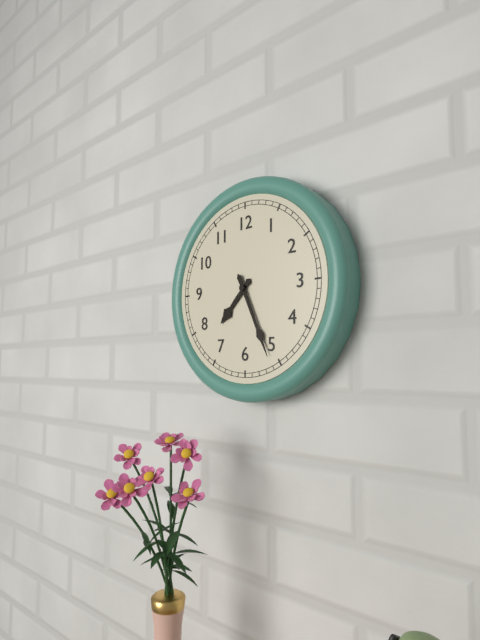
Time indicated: 7:26
